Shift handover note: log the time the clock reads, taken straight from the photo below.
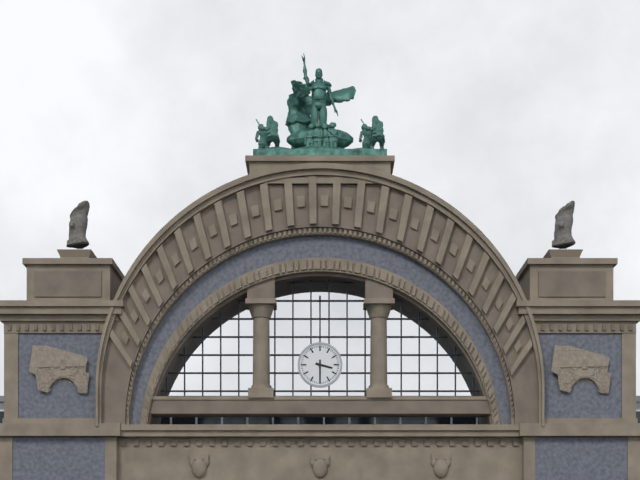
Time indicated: 3:30
